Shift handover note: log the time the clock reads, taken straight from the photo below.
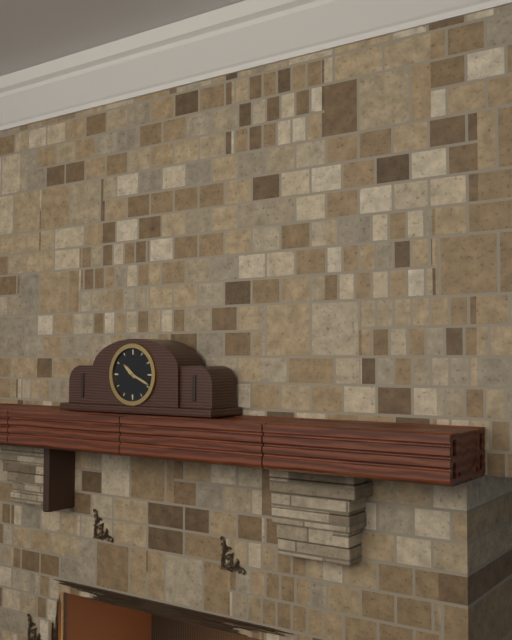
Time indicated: 10:19
